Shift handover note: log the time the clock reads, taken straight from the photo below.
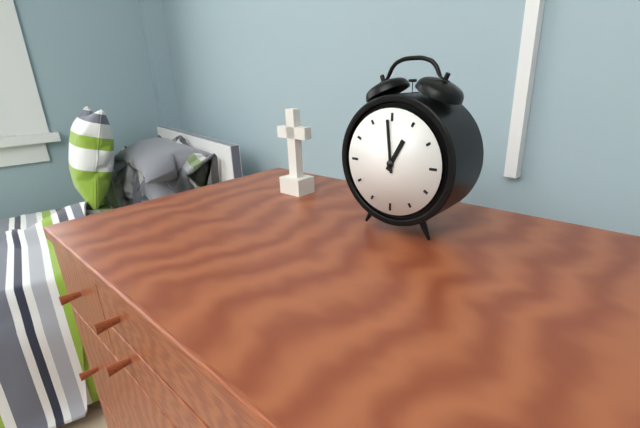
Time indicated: 12:59
